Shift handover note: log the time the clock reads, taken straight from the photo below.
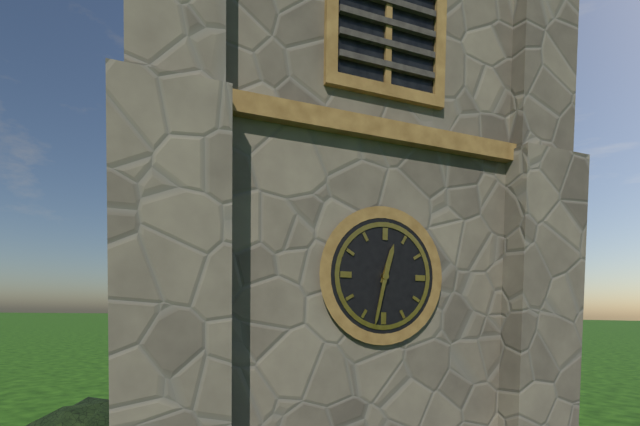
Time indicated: 12:32
